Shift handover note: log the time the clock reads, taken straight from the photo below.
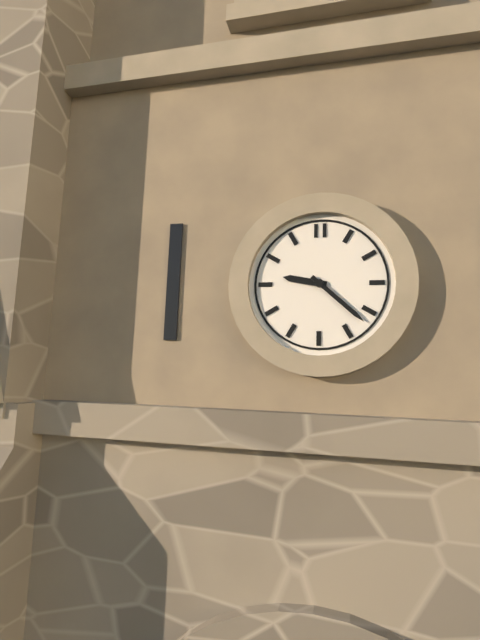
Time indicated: 9:22
